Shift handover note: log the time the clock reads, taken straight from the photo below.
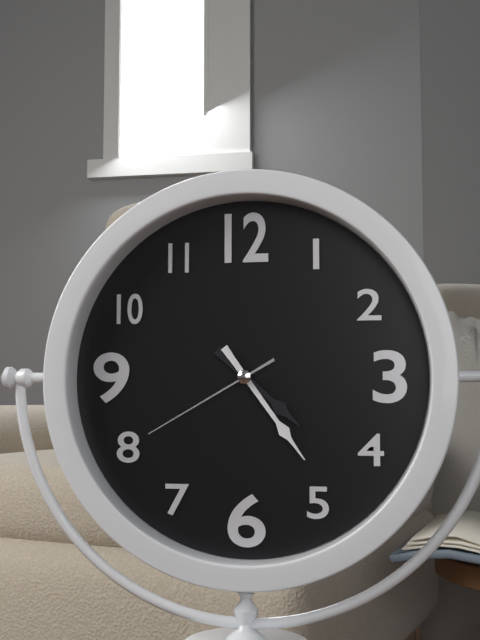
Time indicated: 4:24:40
